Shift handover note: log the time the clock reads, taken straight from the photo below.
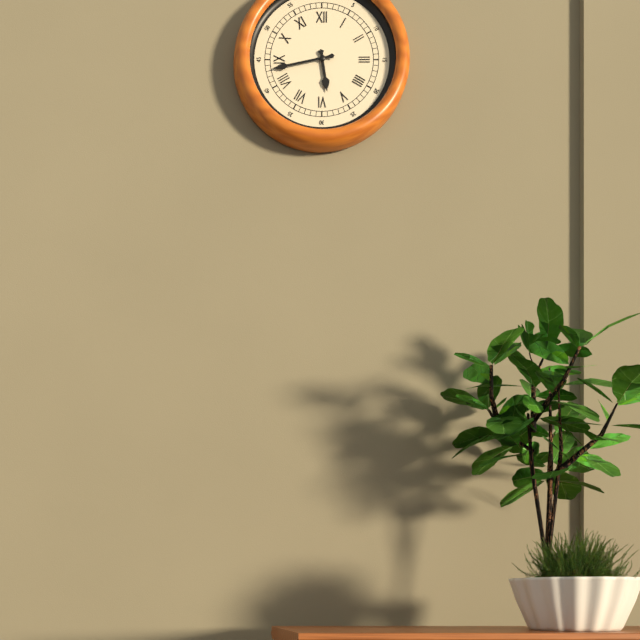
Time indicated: 5:43
